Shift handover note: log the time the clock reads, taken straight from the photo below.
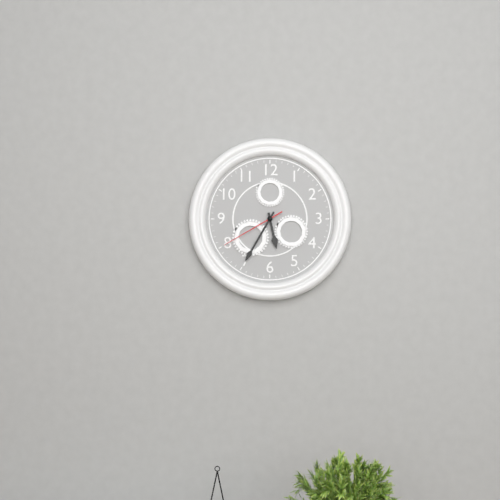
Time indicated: 5:35:40
